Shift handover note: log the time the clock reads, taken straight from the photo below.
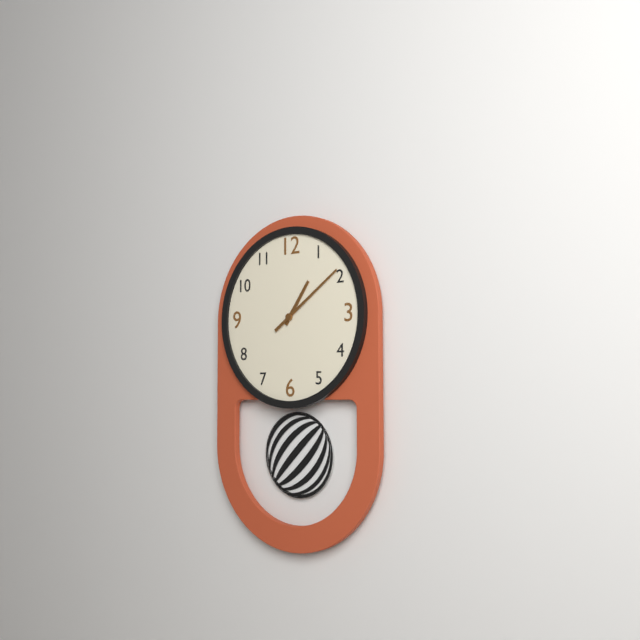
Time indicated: 1:09
